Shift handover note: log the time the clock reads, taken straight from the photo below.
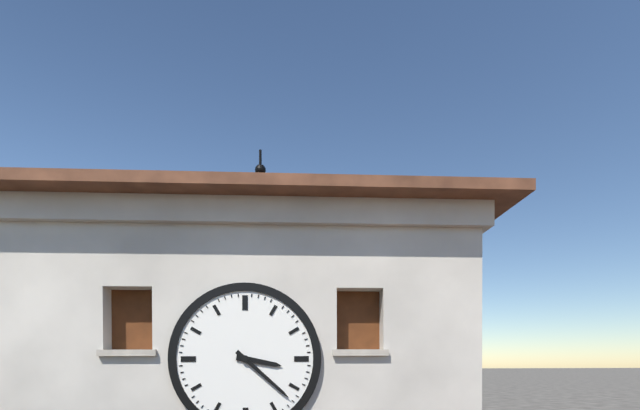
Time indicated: 3:22
